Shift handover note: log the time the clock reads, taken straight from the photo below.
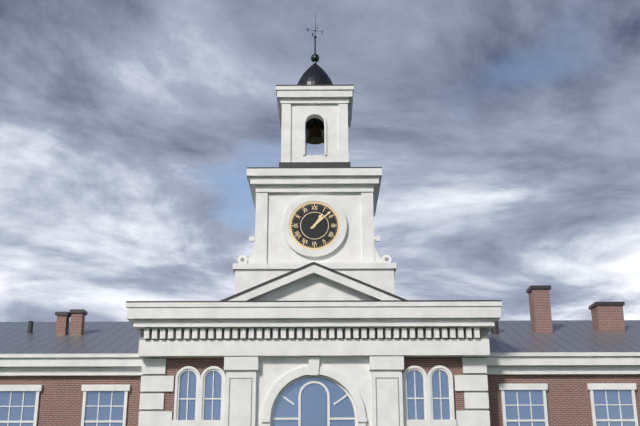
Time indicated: 1:08
